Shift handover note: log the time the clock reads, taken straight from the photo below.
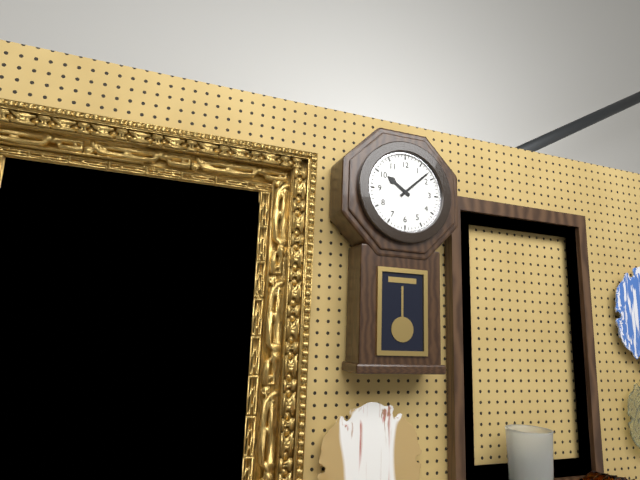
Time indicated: 10:08
